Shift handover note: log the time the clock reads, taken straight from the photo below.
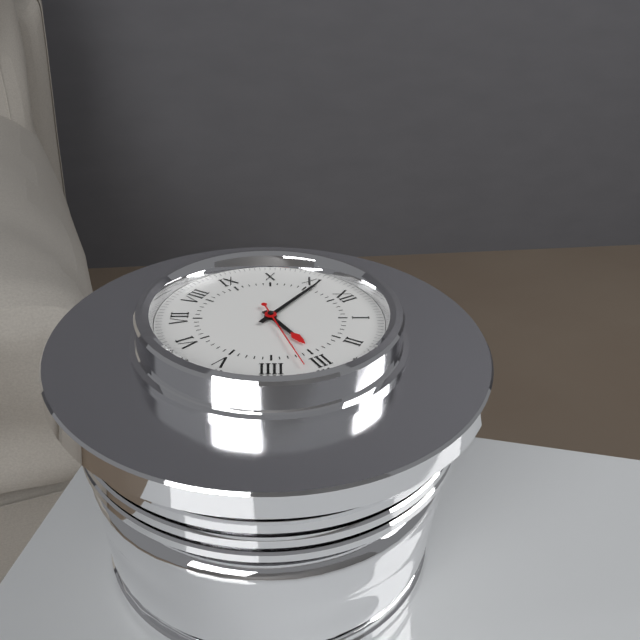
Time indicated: 2:56:17
